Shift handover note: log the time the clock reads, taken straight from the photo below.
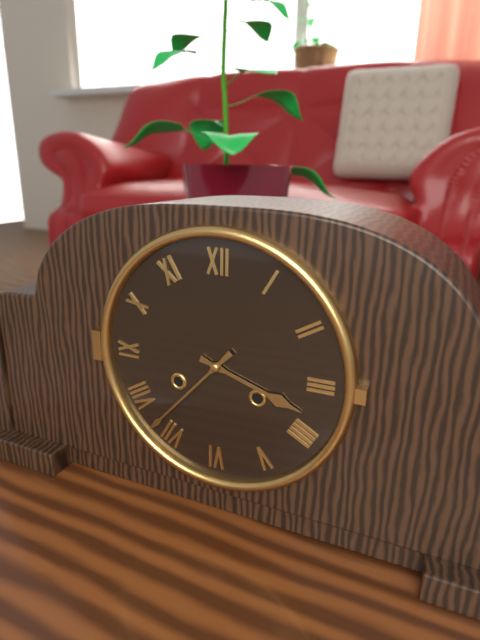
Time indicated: 3:37
